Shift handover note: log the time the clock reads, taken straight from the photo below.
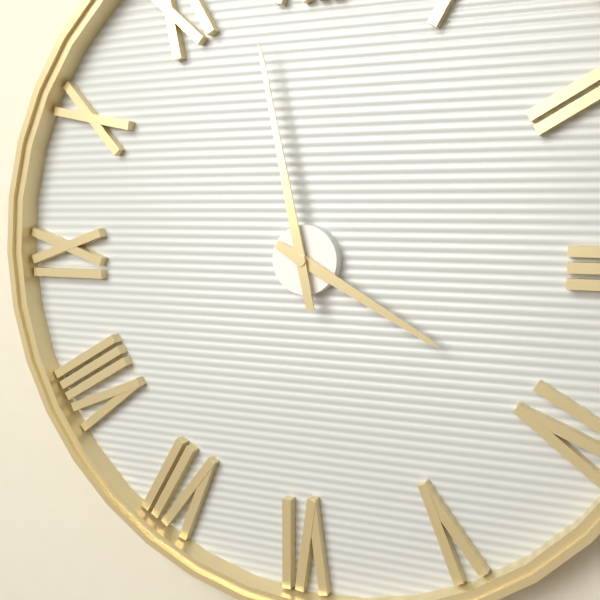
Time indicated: 3:58
